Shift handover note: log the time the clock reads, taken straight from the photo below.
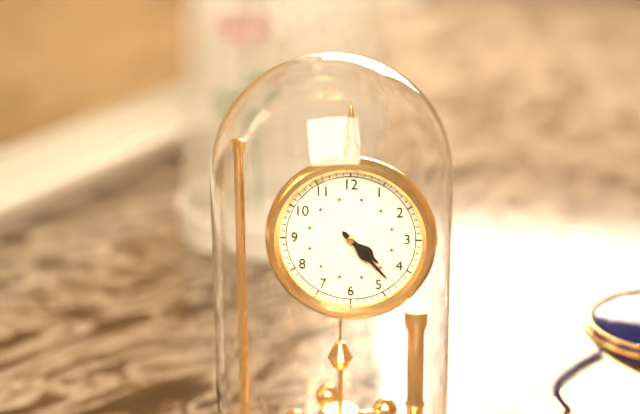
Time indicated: 4:23
